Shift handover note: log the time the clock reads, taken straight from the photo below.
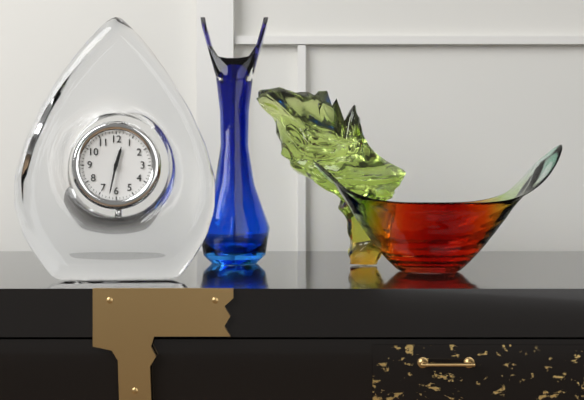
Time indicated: 12:32
